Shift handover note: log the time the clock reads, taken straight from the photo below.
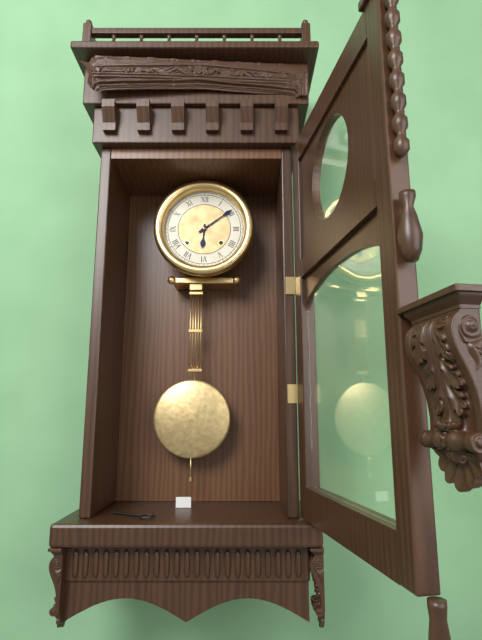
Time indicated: 6:09
